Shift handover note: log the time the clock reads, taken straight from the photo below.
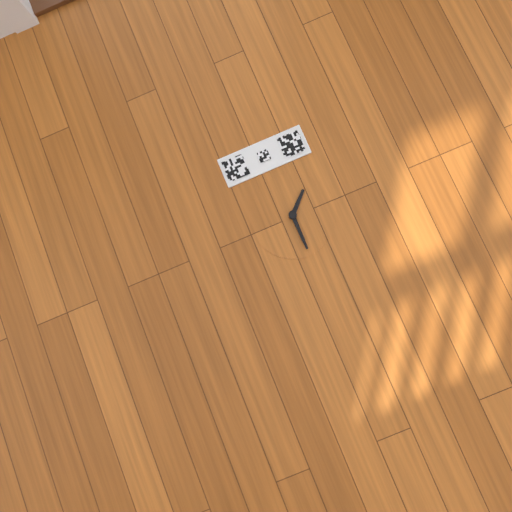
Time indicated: 1:30
